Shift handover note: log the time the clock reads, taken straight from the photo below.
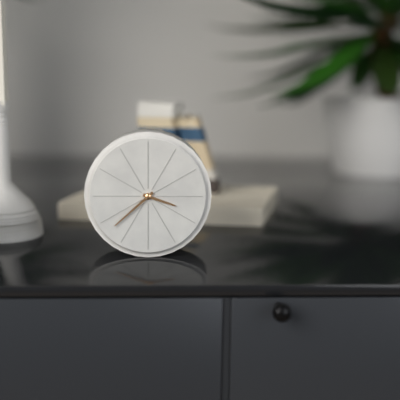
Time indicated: 3:38
